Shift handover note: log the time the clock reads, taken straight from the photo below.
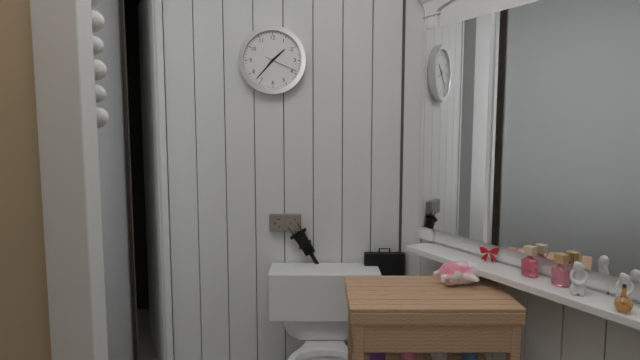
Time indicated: 1:37
